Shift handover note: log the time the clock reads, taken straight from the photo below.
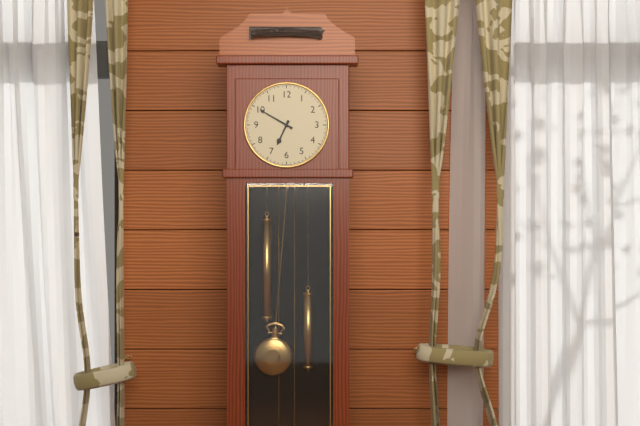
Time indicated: 6:50
